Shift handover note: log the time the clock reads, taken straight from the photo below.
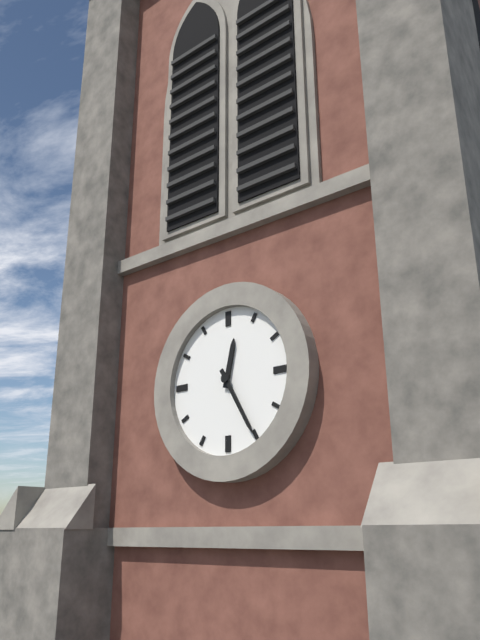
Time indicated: 12:25
